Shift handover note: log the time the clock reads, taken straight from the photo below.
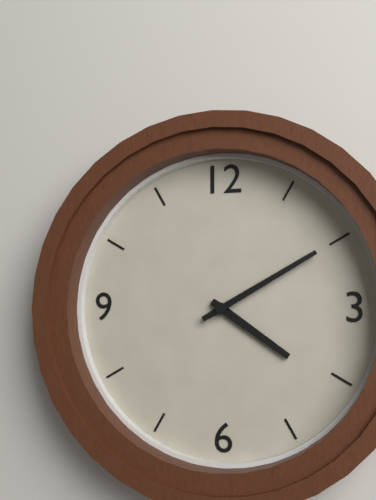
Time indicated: 4:10
